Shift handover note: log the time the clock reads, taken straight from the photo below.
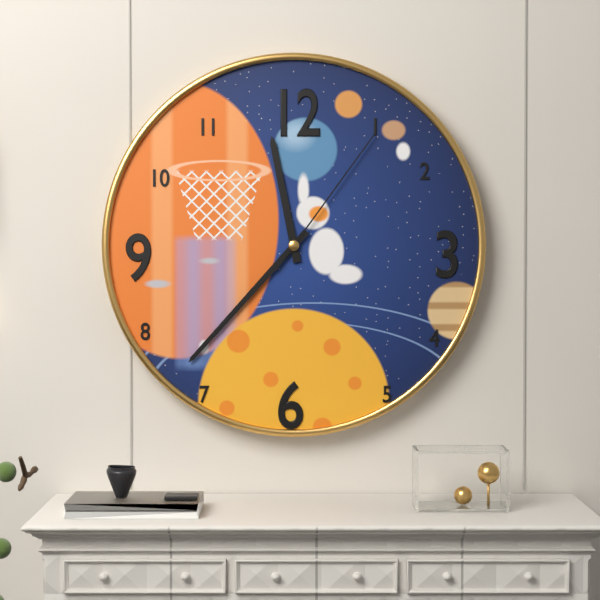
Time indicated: 11:37:06
